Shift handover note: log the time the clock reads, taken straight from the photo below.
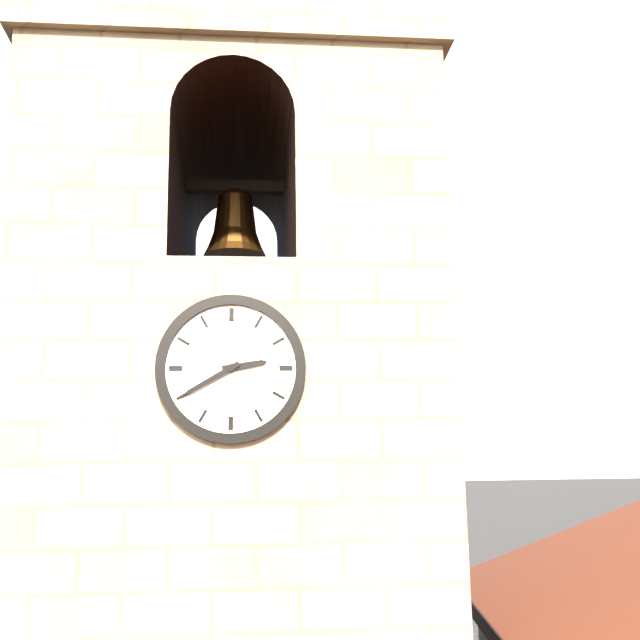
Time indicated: 2:40
